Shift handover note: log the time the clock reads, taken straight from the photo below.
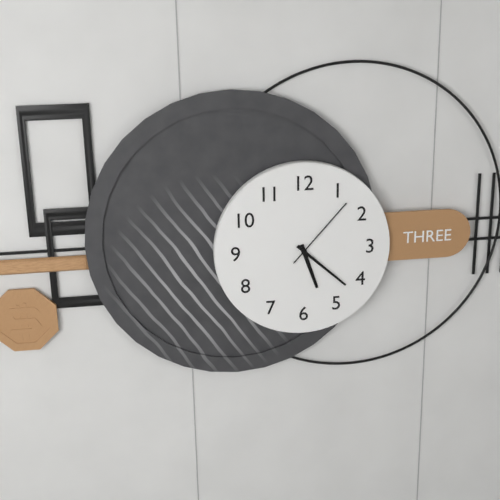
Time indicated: 5:22:07
